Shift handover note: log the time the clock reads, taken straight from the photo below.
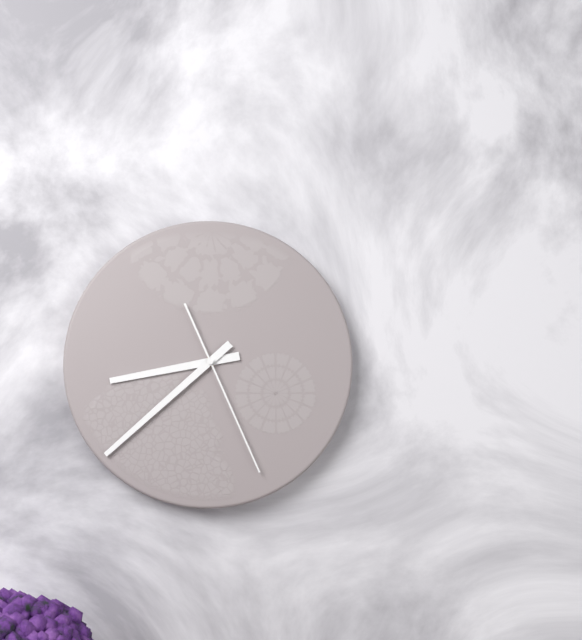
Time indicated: 8:38:26
